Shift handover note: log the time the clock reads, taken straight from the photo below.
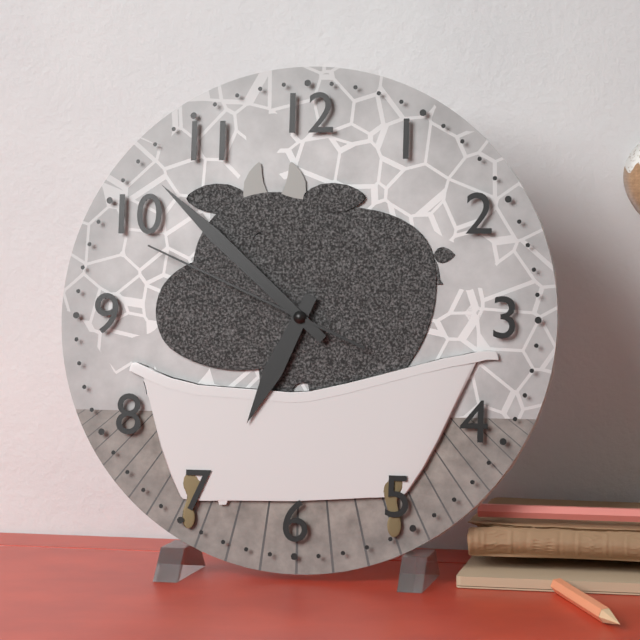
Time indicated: 6:52:49
